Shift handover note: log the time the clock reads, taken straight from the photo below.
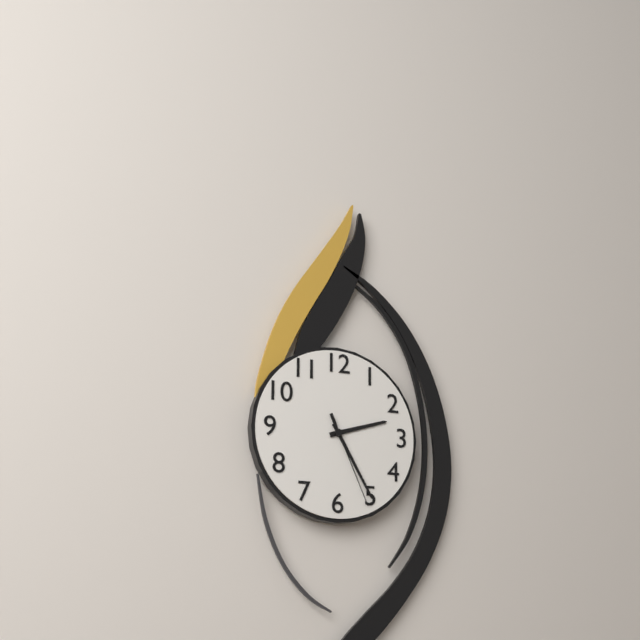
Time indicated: 2:25:26
